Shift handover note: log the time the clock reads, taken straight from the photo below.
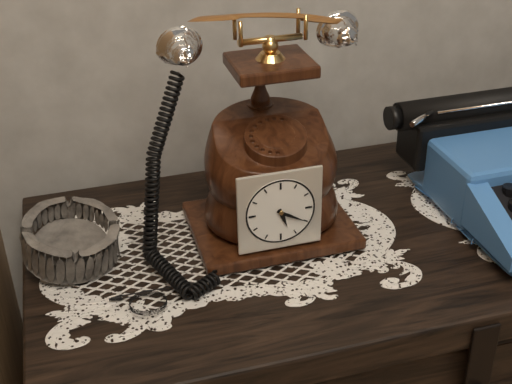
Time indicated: 5:20
